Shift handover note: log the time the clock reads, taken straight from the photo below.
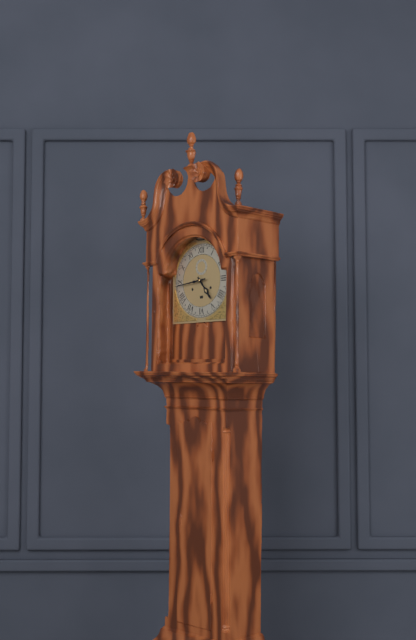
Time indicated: 4:44
